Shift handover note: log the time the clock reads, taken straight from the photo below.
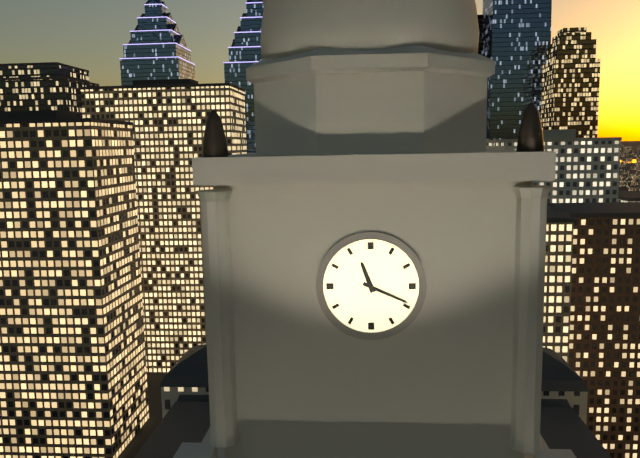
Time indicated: 11:19
